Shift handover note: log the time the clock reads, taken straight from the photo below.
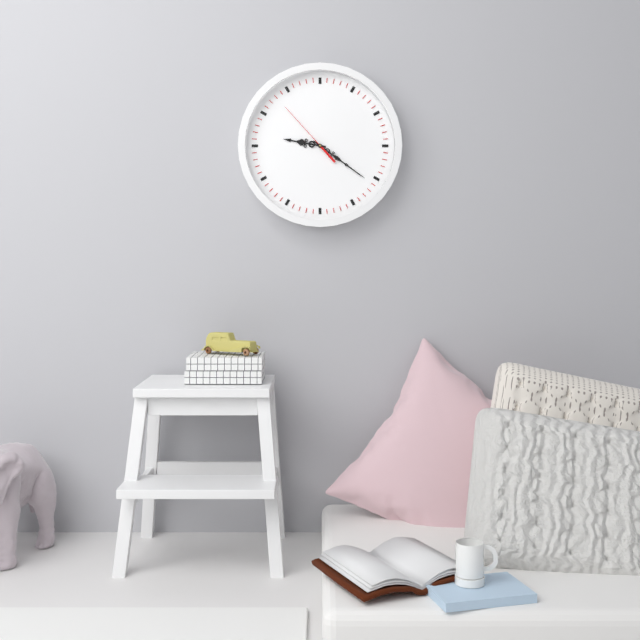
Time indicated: 9:21:53
